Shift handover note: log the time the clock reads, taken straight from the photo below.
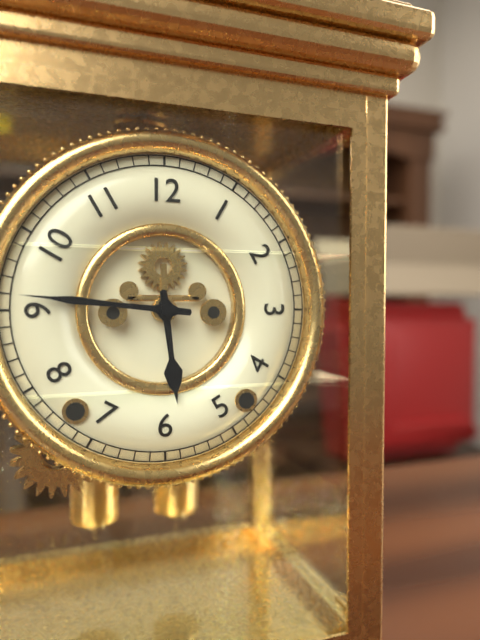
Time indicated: 5:46
